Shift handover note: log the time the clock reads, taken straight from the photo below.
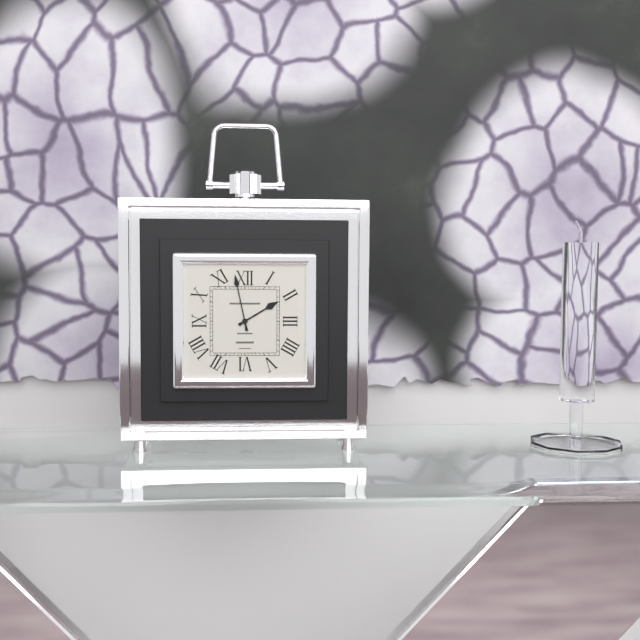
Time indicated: 1:58
